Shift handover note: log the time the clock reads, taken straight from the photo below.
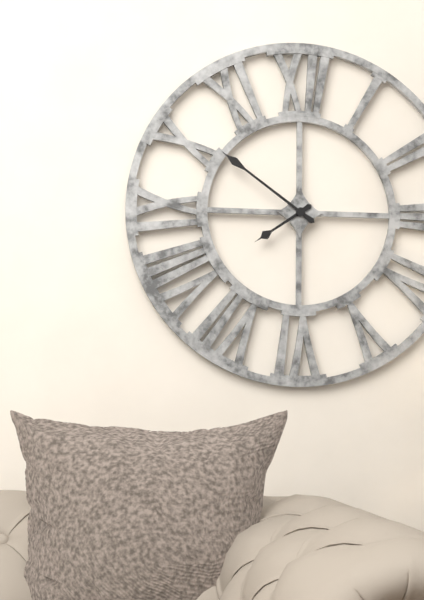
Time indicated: 7:51
